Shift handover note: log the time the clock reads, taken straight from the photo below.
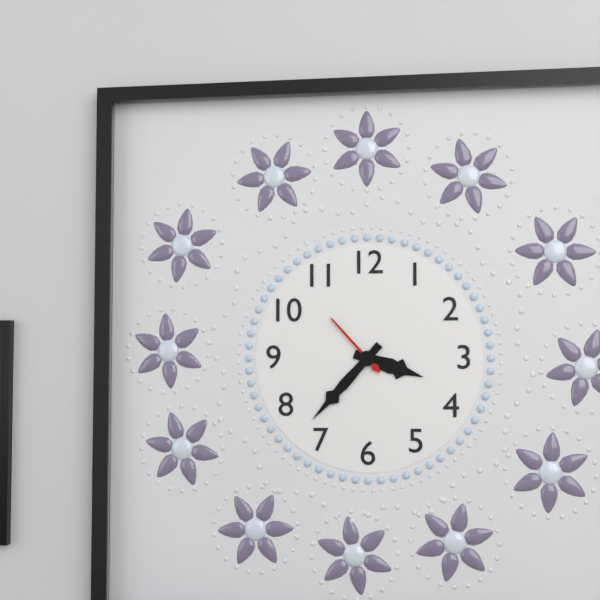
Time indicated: 3:37:53
